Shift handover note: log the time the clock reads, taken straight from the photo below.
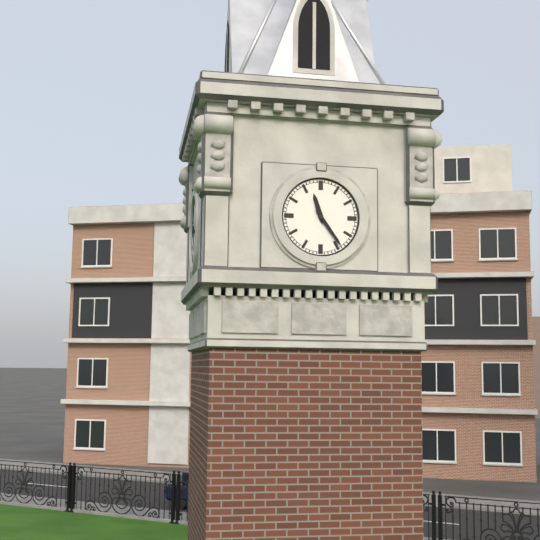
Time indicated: 11:24
